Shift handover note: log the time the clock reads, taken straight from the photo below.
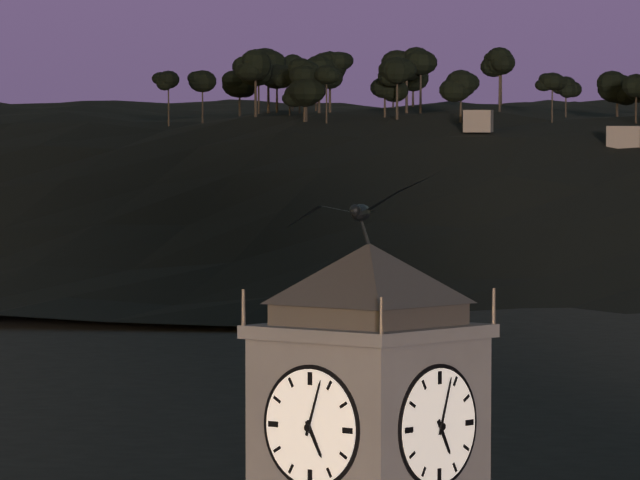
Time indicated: 5:03
